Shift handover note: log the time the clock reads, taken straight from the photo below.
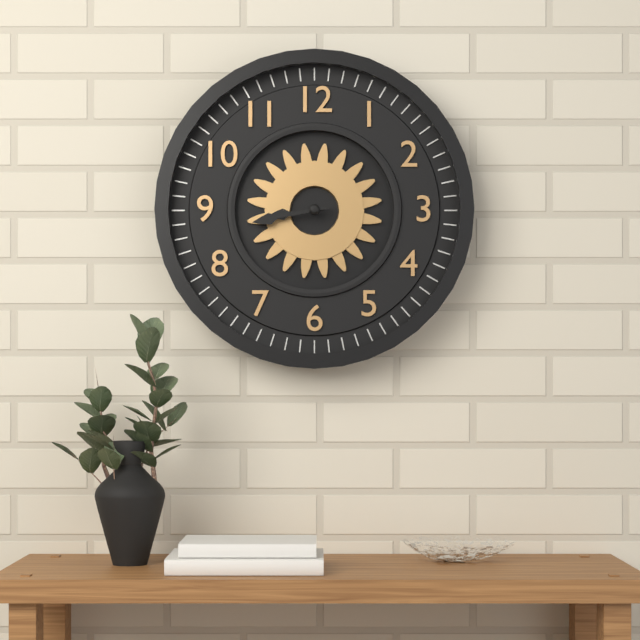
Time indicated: 8:43
